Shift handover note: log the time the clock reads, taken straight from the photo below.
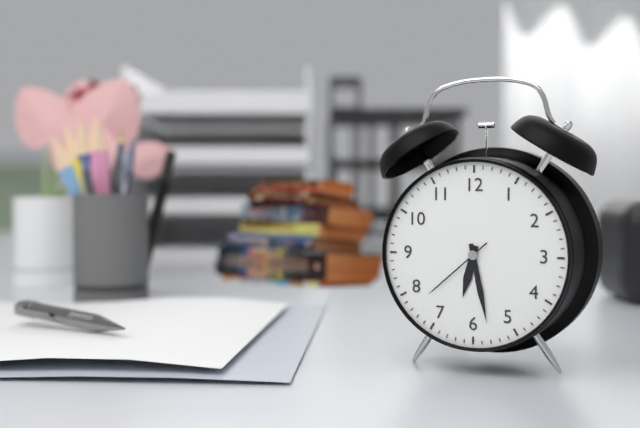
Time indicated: 6:28:38
